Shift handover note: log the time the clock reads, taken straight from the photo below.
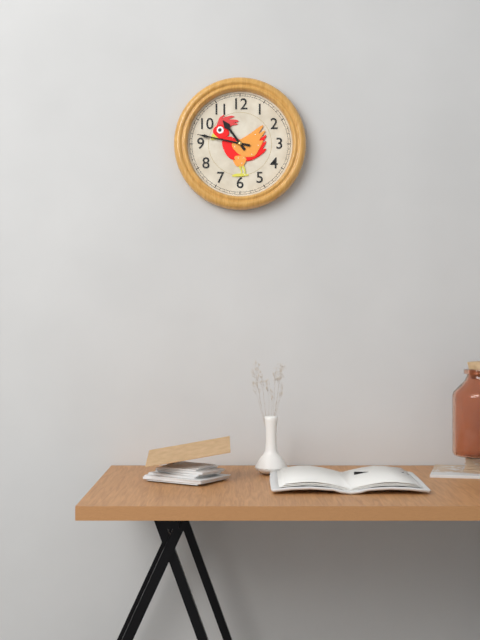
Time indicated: 10:47
